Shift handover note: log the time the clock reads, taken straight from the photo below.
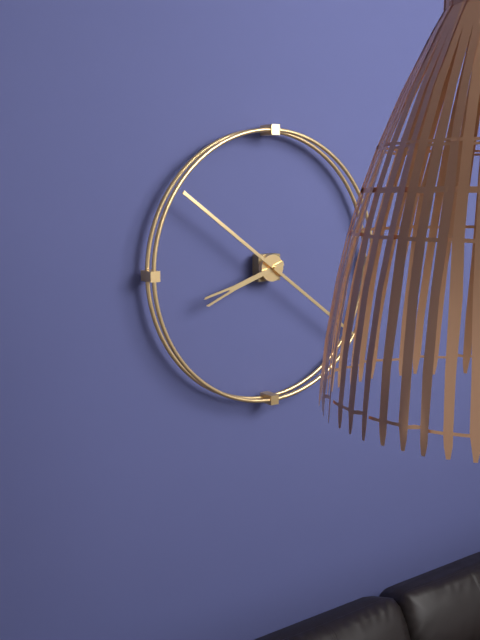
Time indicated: 8:21
